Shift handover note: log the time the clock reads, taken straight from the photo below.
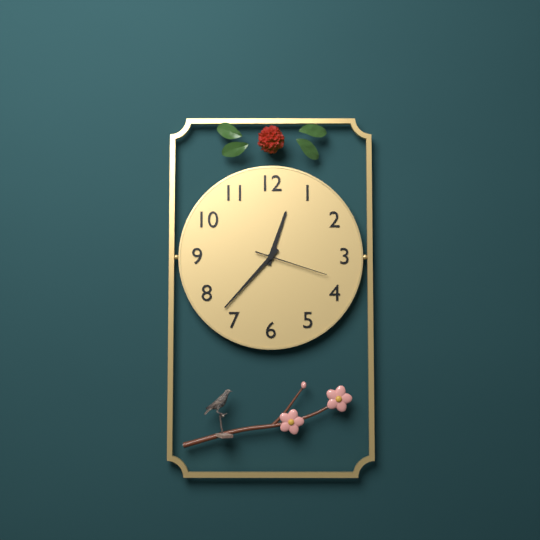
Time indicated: 12:37:18
